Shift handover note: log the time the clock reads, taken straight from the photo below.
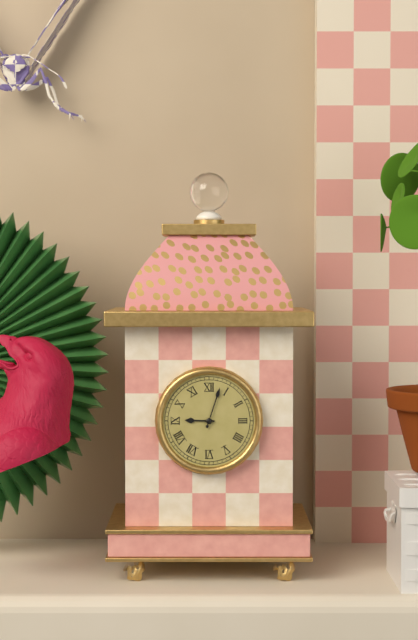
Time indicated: 9:03
